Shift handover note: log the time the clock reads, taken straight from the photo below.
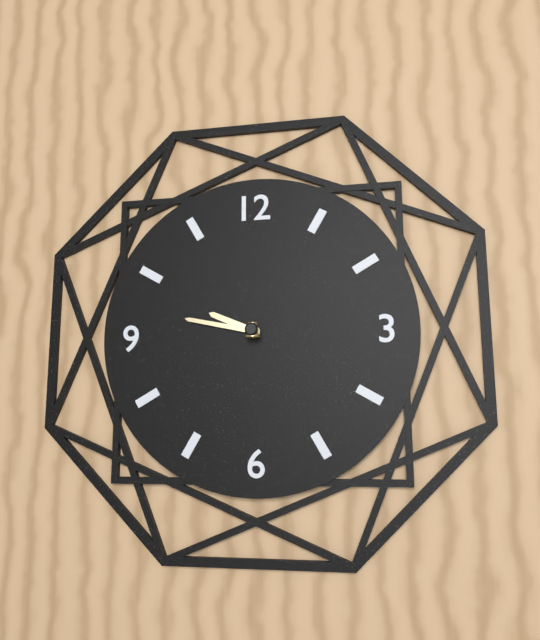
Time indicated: 9:47
